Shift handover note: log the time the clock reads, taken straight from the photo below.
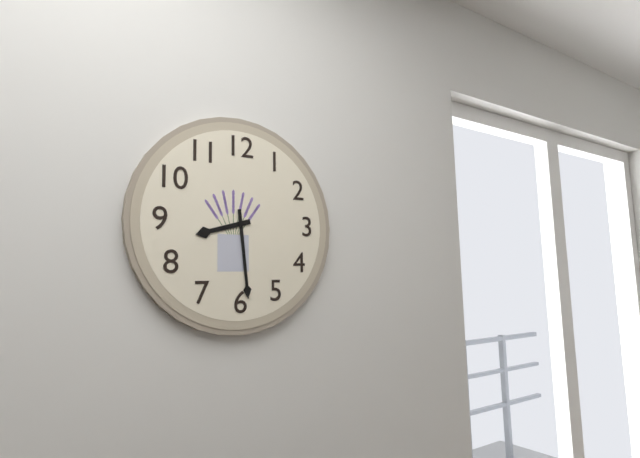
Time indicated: 8:29
